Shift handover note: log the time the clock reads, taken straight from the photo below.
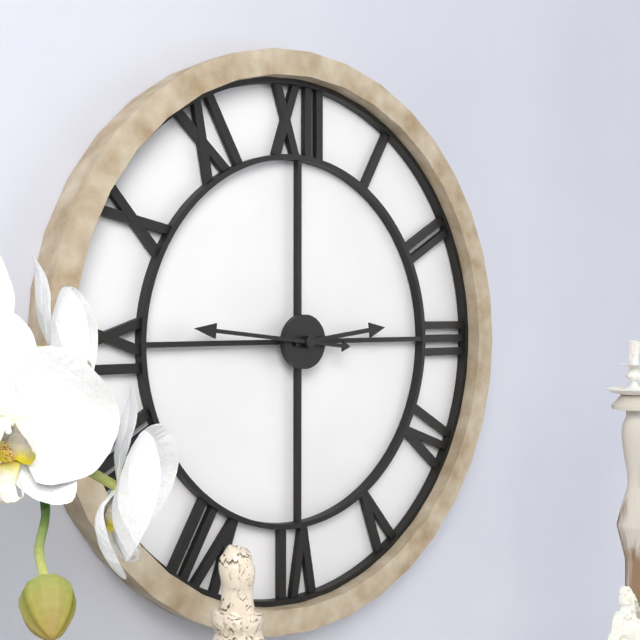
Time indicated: 2:46
